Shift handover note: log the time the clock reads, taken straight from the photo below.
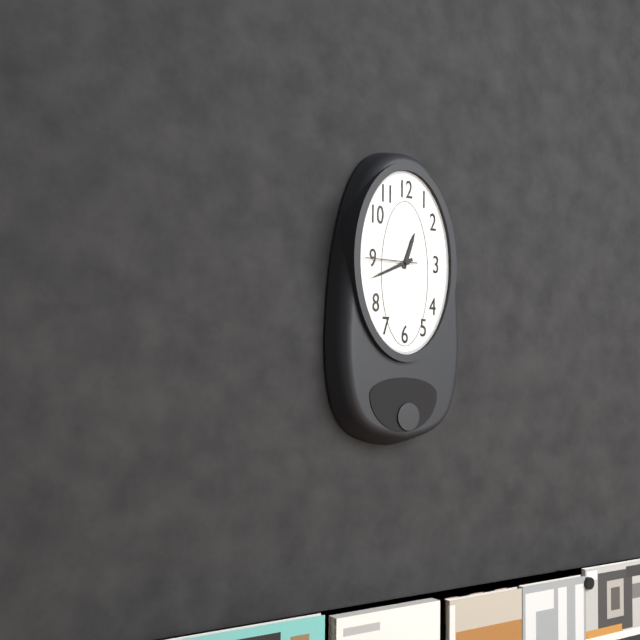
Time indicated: 12:41:45
